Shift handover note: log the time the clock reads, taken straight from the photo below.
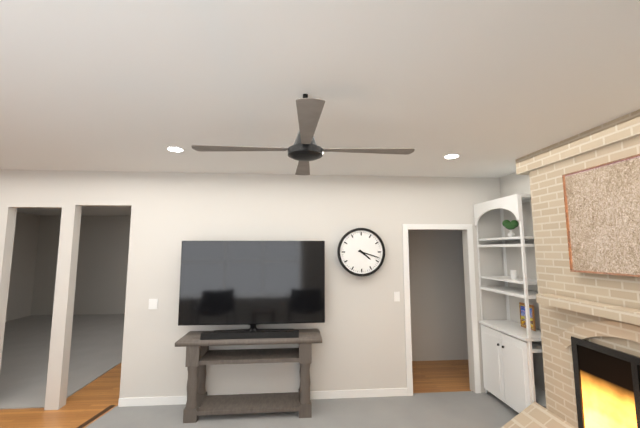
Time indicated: 4:18
